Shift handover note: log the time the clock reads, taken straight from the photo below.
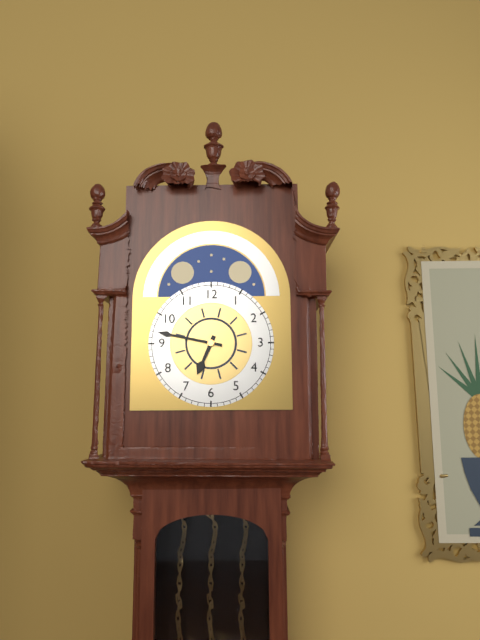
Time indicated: 6:47
